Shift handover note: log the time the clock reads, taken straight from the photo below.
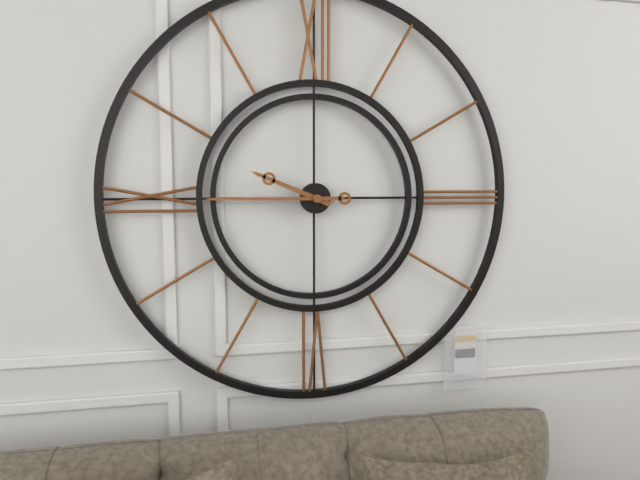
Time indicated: 9:45
